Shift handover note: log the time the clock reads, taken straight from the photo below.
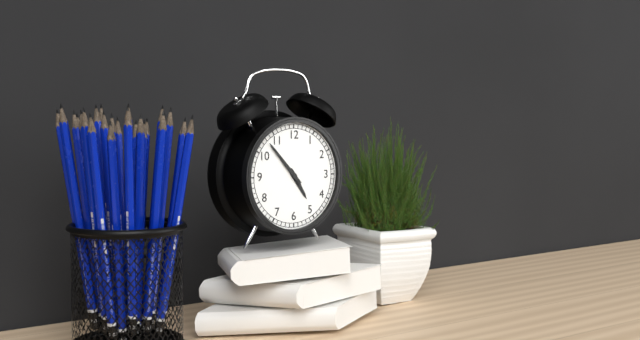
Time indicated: 4:53
